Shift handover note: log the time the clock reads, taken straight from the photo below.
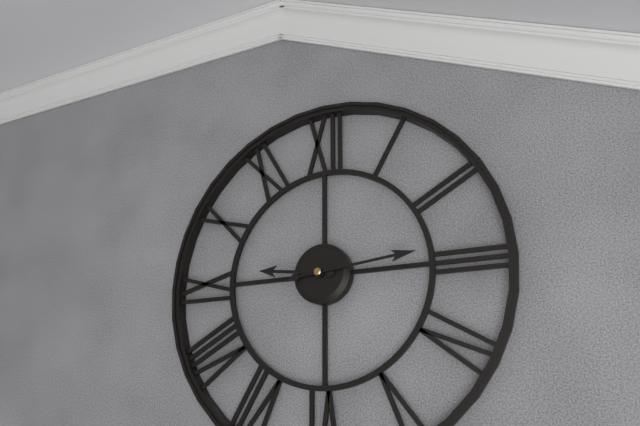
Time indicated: 9:14
